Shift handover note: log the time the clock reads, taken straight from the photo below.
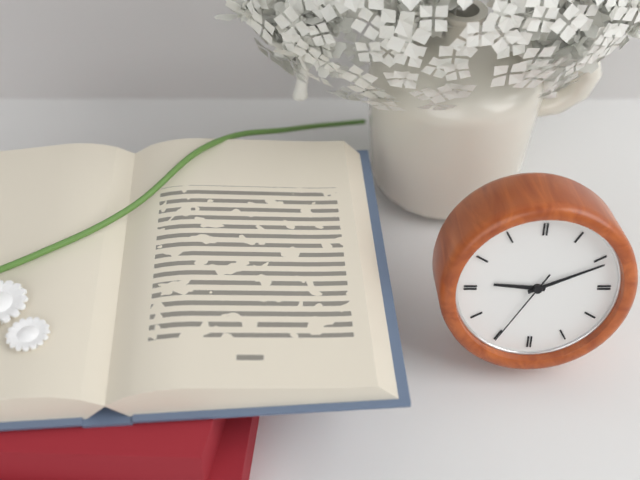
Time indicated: 9:11:35
